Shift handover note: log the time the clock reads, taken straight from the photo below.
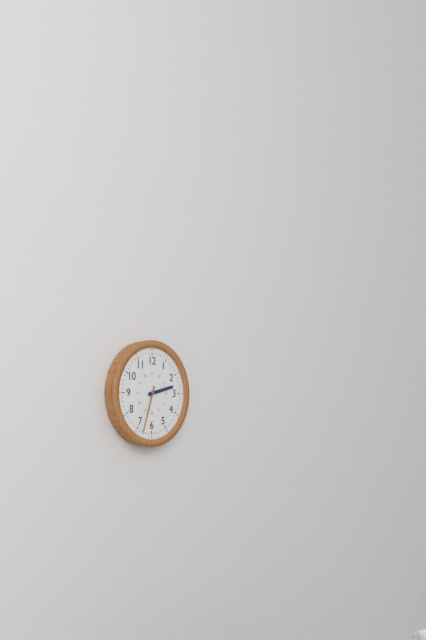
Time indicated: 2:33
